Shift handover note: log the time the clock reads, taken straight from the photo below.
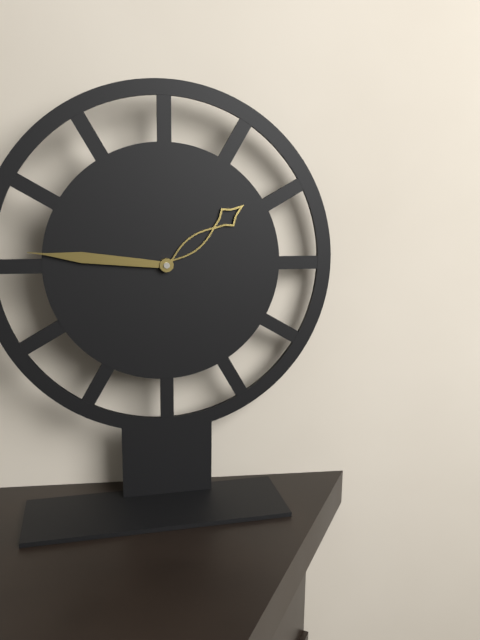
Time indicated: 1:46
